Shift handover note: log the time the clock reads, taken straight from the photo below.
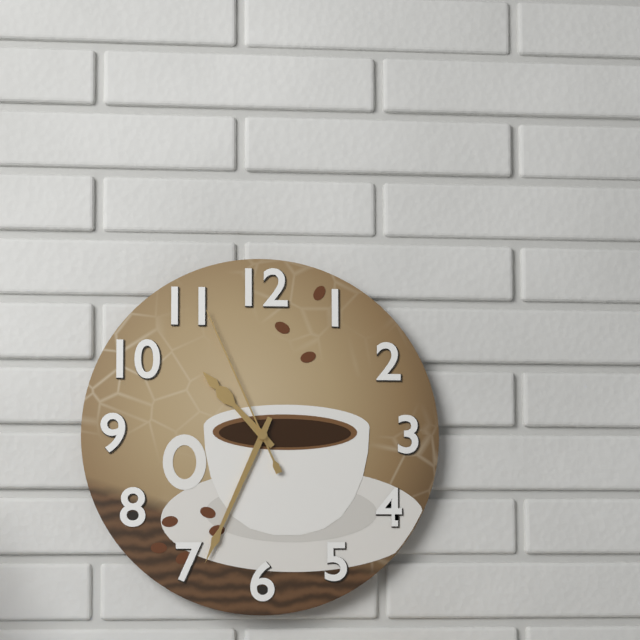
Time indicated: 10:34:56
